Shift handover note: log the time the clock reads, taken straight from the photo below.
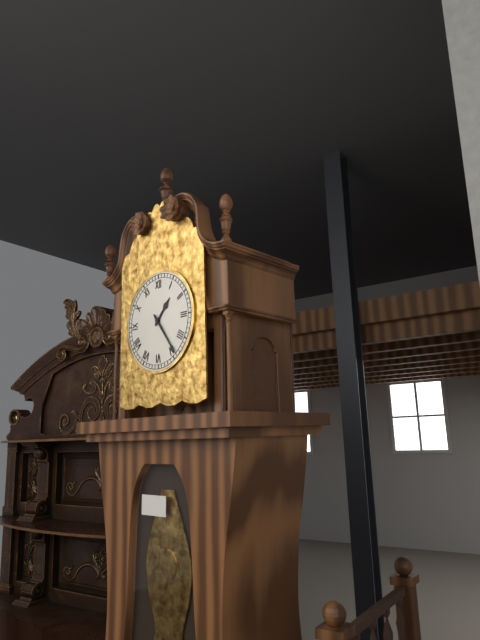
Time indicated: 1:24
